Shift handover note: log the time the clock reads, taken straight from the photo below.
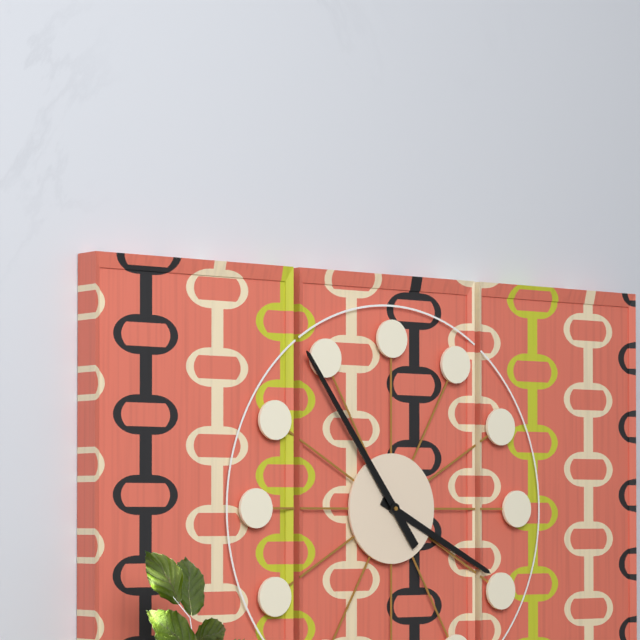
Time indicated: 3:54
